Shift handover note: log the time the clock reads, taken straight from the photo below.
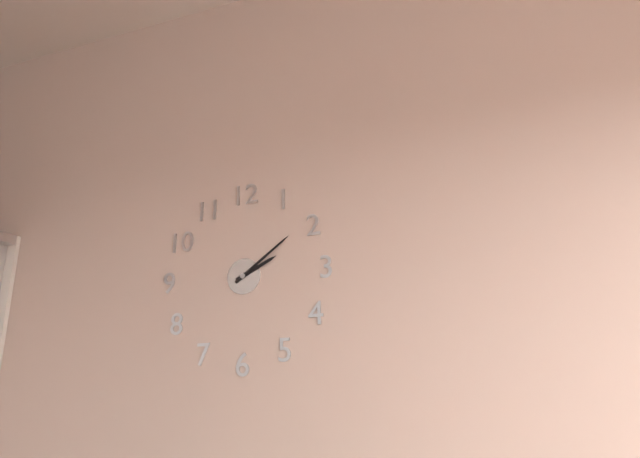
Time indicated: 2:09
